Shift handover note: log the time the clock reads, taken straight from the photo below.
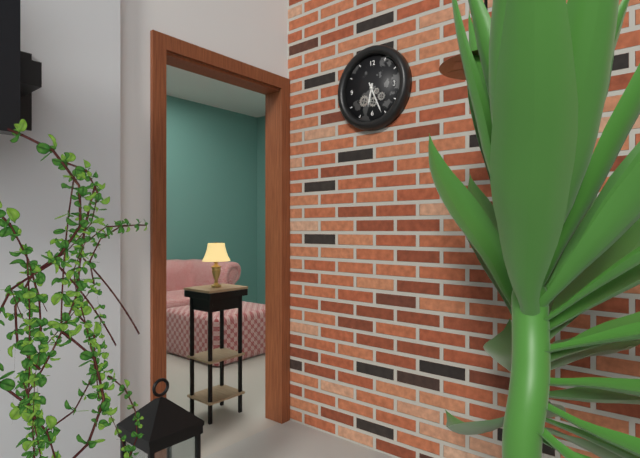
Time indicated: 6:26
